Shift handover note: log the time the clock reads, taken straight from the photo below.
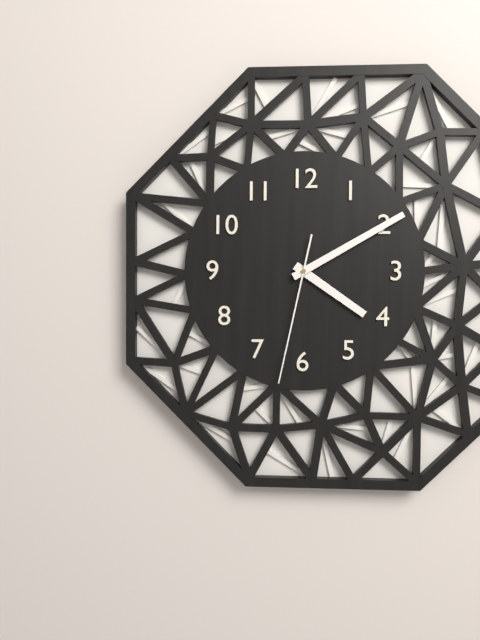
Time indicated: 4:10:32
